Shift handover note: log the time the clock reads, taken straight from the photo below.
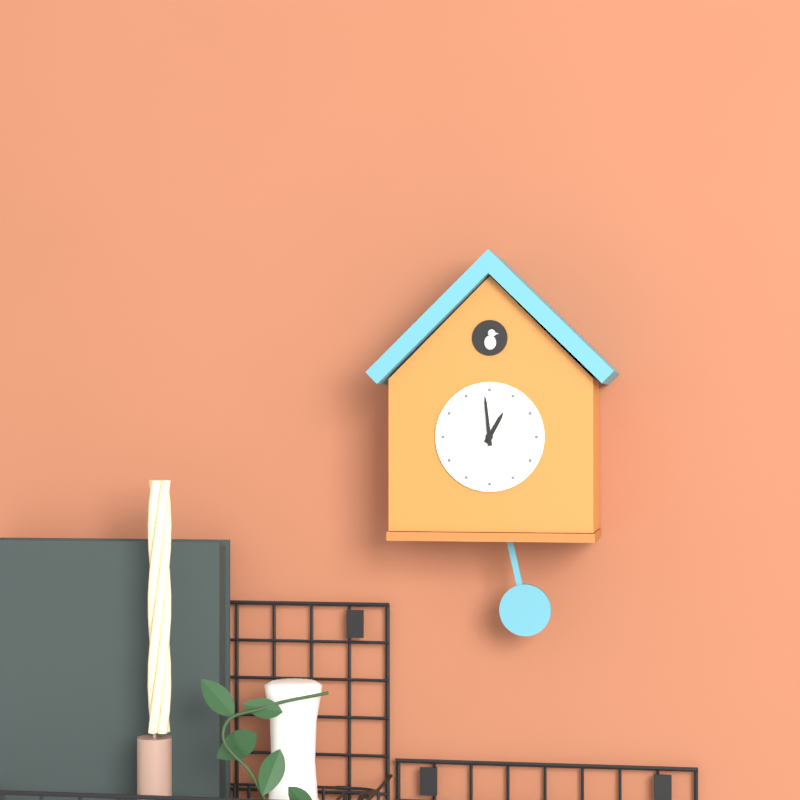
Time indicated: 12:59
